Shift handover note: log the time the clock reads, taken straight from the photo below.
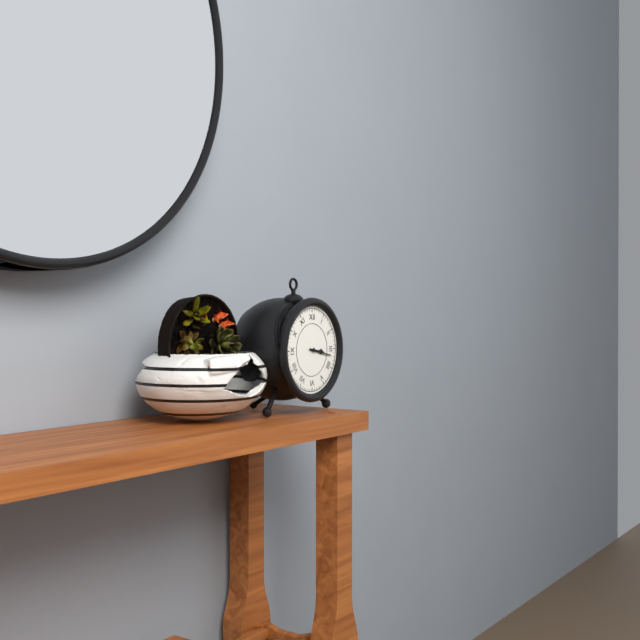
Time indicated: 3:17
